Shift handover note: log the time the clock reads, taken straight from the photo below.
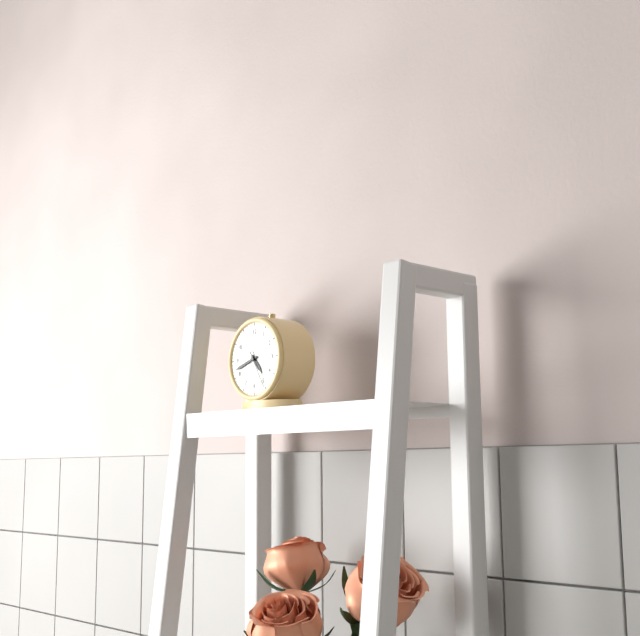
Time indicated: 4:42
